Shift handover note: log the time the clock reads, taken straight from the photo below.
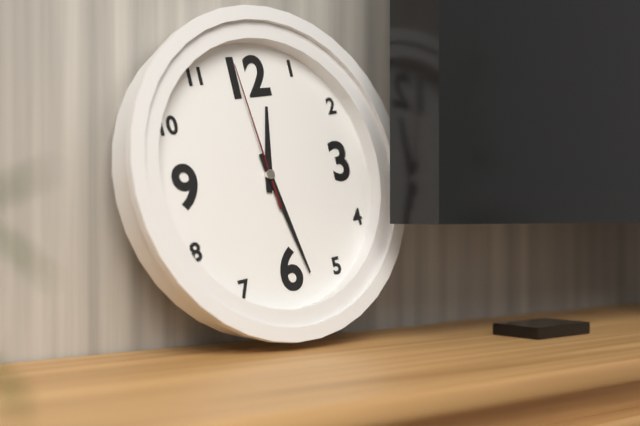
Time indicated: 12:28:59
